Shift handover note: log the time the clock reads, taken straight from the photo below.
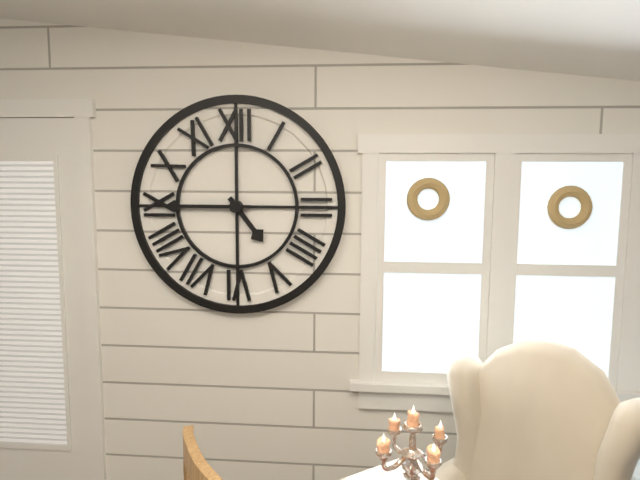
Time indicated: 4:45
